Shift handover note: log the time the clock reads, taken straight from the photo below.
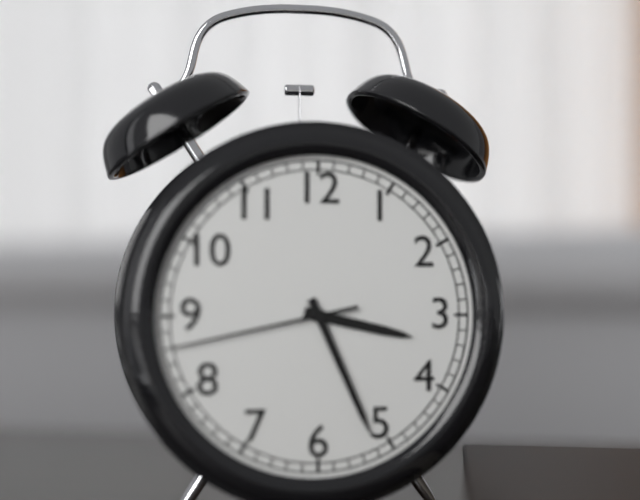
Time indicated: 3:26:43
